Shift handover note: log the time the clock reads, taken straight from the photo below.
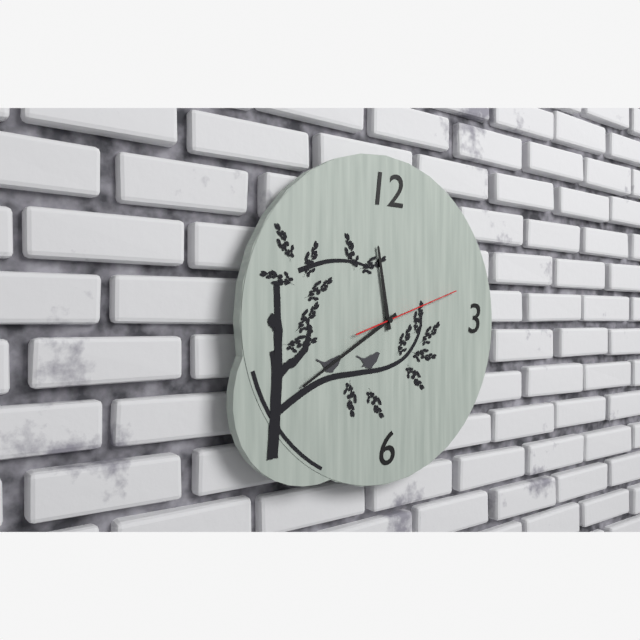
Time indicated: 11:40:12
